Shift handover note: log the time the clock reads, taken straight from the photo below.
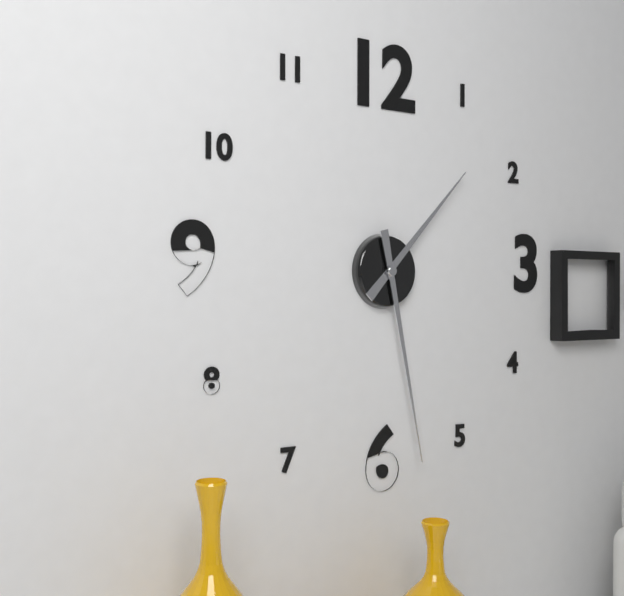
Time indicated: 1:28
